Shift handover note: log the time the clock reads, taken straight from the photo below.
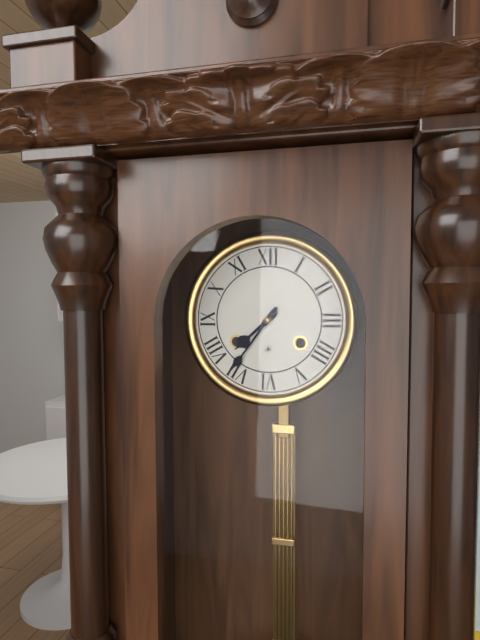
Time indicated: 7:36
